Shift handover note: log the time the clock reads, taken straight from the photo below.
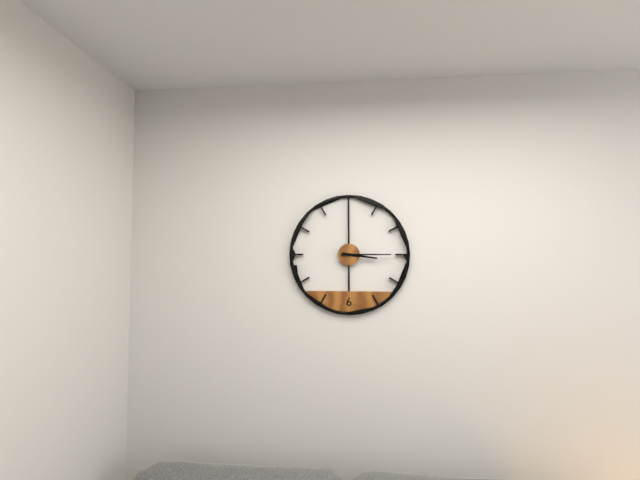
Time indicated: 3:15
